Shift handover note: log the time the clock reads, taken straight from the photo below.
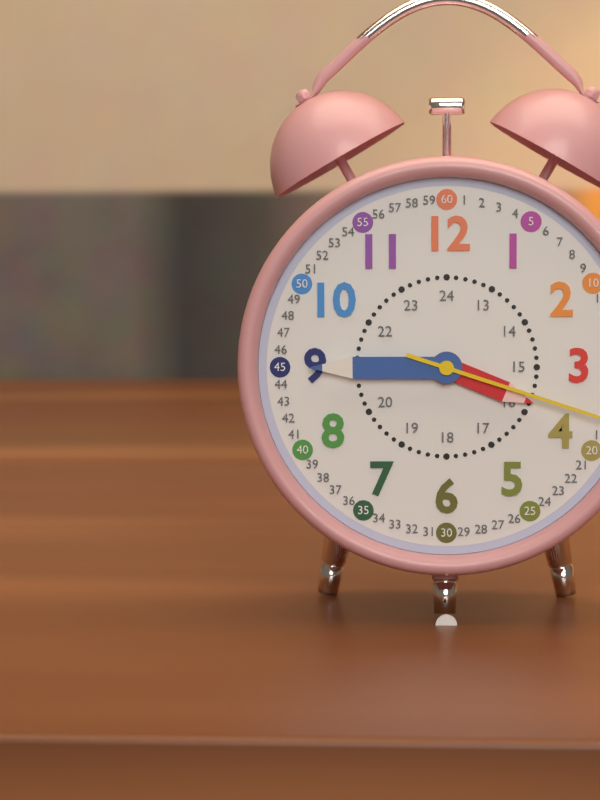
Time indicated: 3:45
